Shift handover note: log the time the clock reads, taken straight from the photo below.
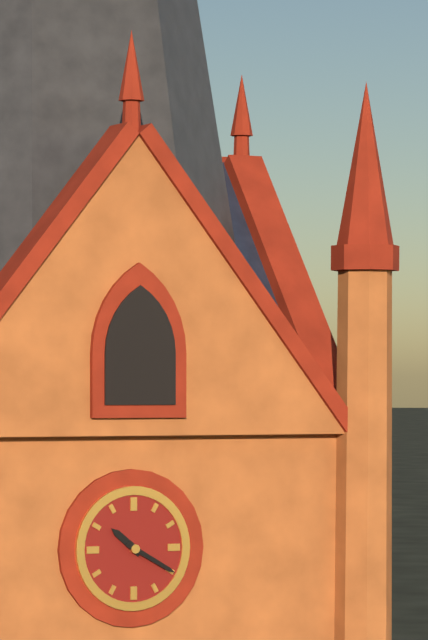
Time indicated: 10:20
